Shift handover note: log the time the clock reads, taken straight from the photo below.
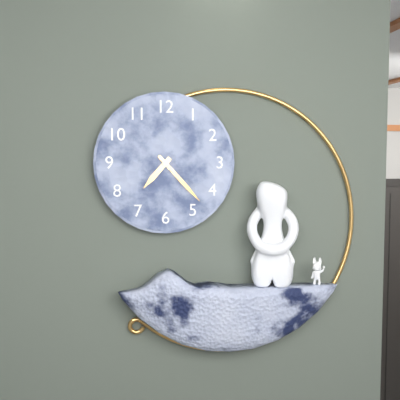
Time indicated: 7:23
